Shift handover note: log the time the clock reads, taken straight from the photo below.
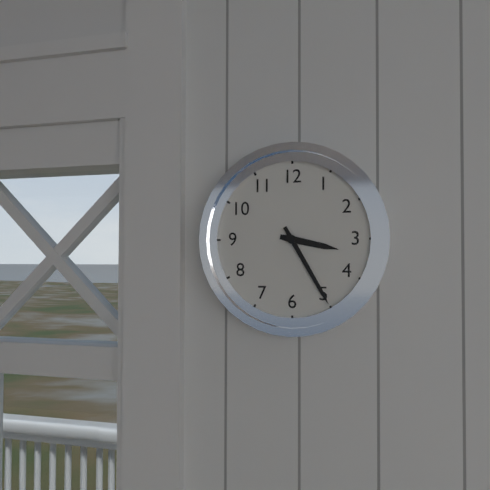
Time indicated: 3:25
